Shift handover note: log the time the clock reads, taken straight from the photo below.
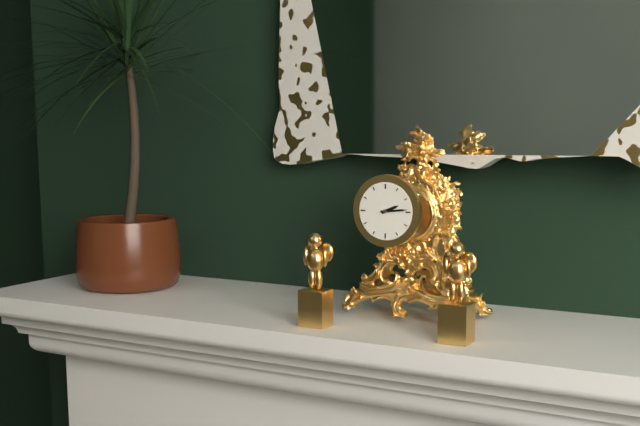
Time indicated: 2:14
